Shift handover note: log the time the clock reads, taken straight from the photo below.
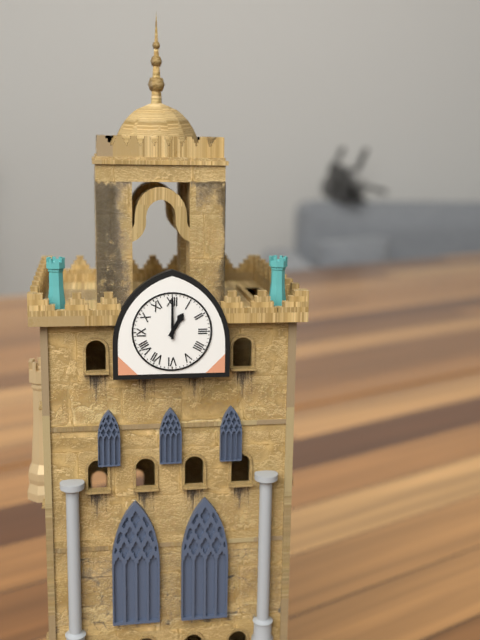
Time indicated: 1:00
